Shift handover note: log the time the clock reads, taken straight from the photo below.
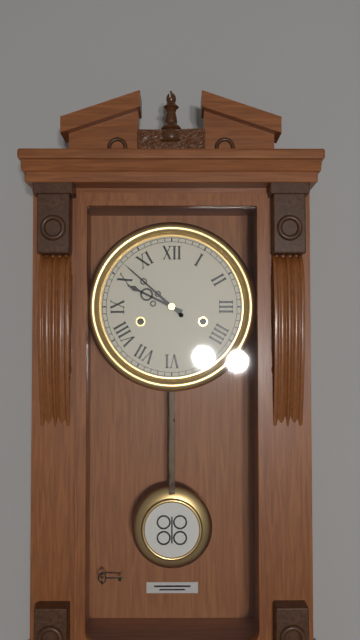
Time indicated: 9:52
